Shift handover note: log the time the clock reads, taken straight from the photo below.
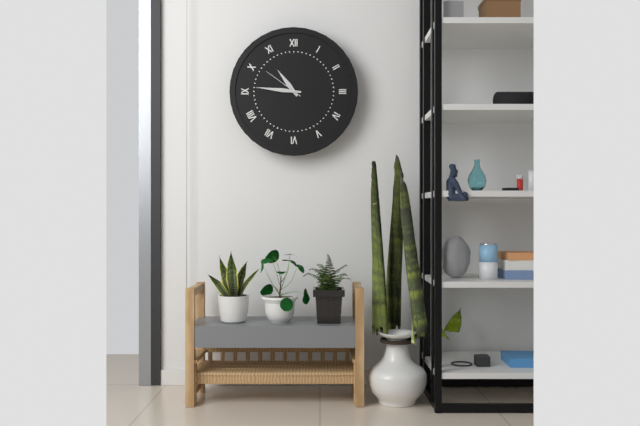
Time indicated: 10:46
